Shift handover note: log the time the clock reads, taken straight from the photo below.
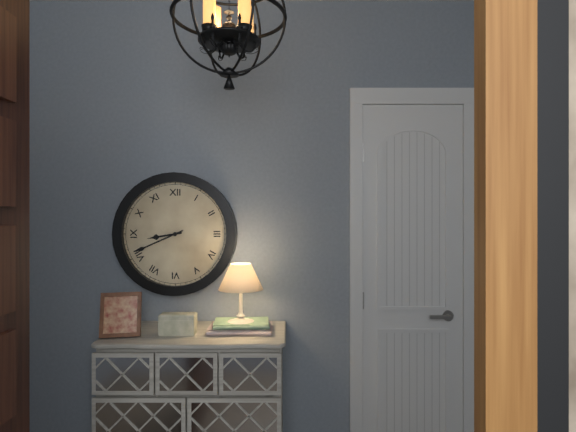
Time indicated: 8:41
